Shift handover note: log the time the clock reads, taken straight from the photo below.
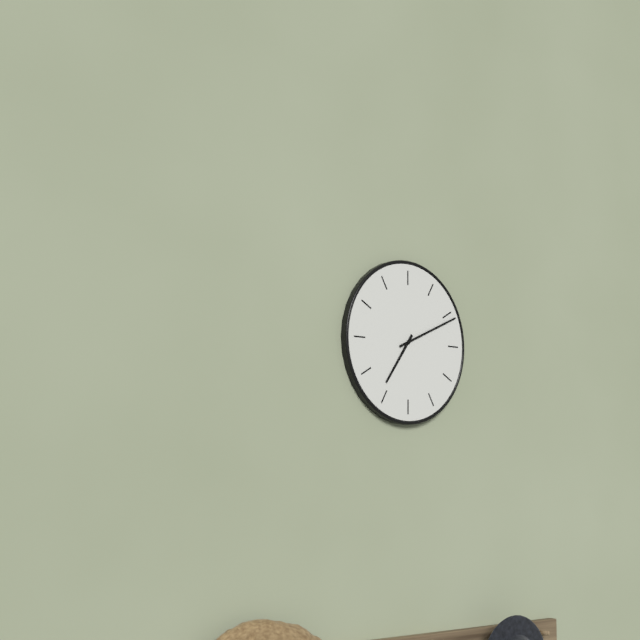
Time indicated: 7:11
